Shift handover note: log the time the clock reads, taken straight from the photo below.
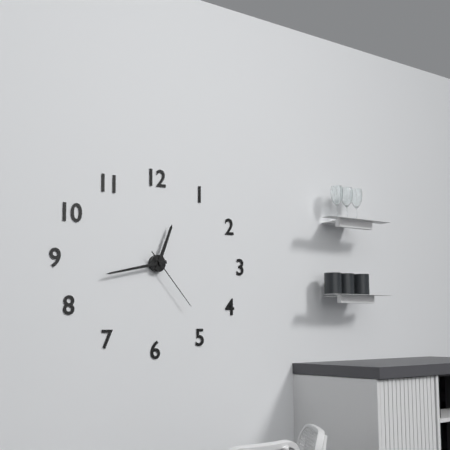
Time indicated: 12:43:23
